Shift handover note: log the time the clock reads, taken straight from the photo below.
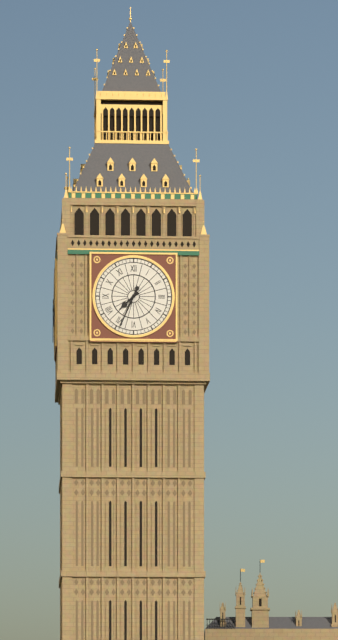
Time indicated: 7:34
